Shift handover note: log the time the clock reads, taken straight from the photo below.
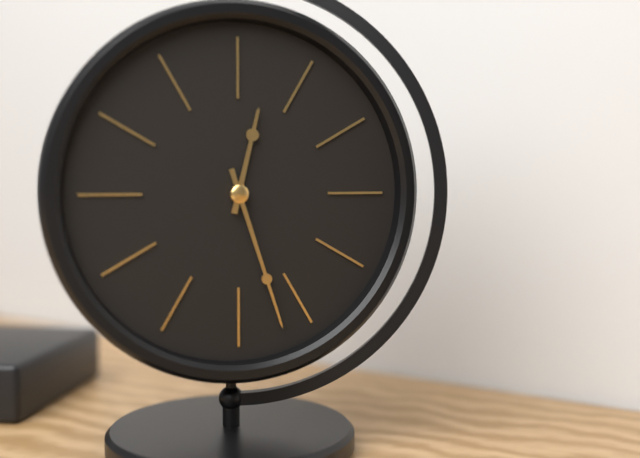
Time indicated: 12:27
